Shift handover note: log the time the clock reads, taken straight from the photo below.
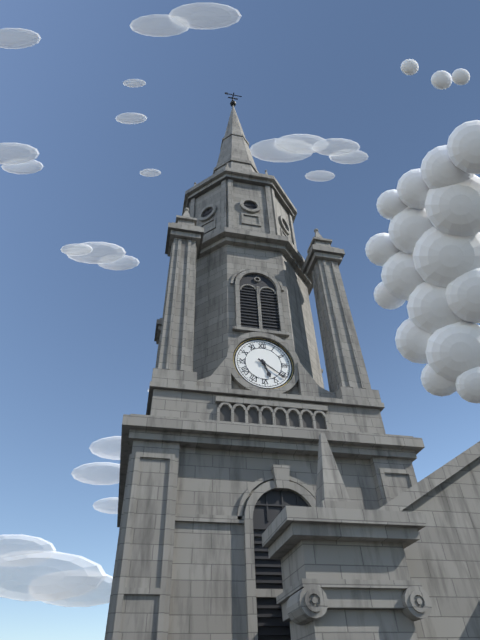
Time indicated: 5:21
